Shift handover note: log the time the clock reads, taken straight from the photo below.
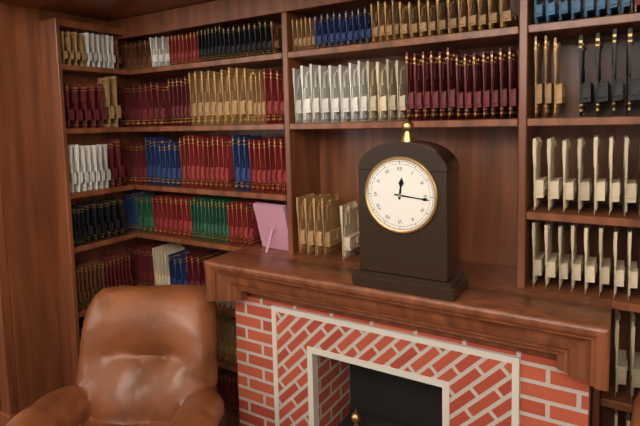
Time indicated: 12:16
